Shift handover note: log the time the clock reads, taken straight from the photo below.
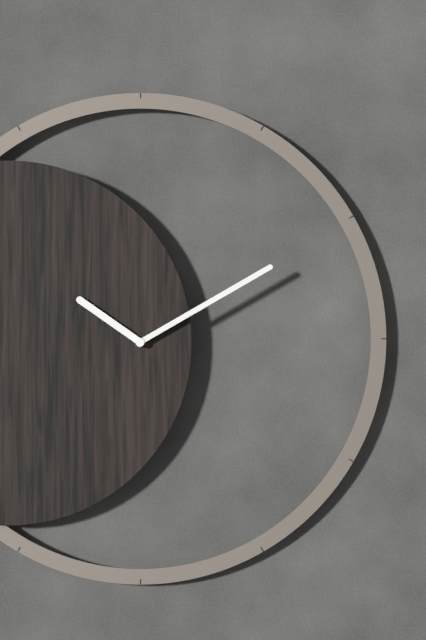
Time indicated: 10:10
